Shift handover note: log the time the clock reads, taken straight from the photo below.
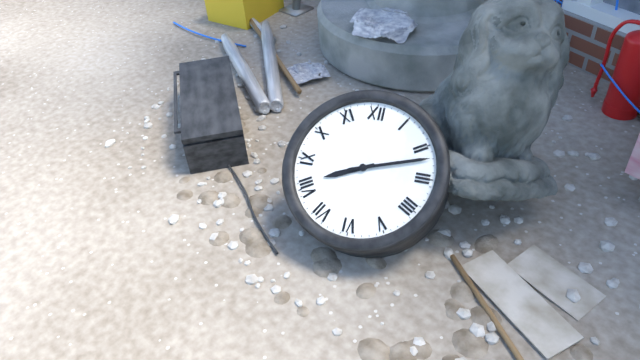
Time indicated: 8:12
